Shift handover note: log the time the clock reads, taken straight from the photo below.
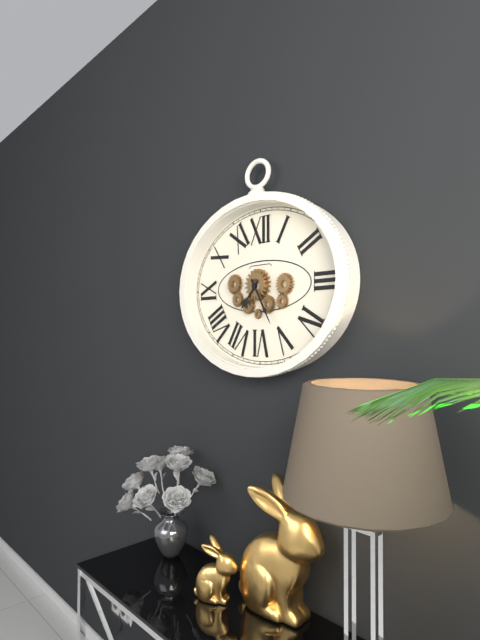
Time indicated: 7:25
